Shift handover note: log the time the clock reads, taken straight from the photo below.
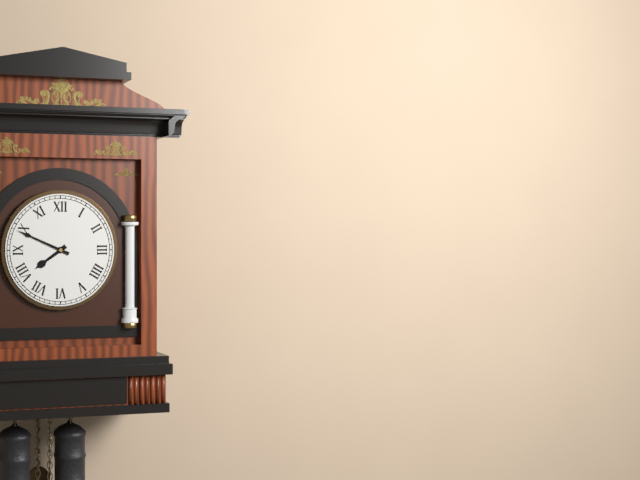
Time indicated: 7:49
